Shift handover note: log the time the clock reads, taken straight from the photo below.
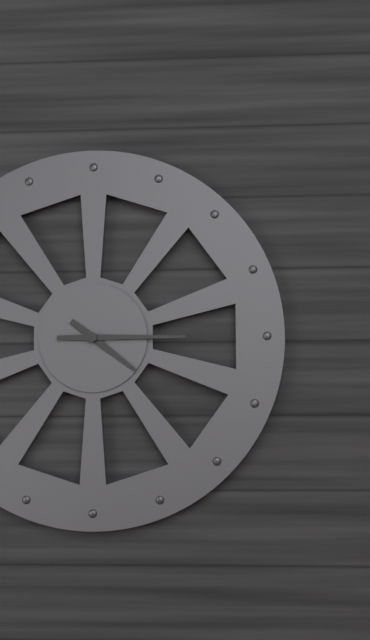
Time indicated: 4:15
